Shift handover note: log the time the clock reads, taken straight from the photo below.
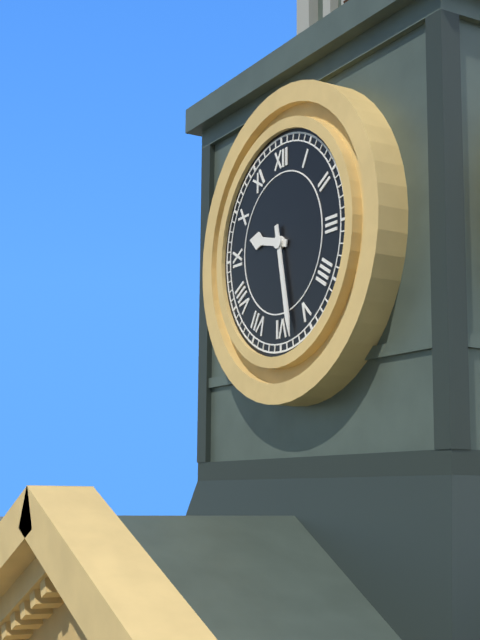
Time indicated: 9:28
